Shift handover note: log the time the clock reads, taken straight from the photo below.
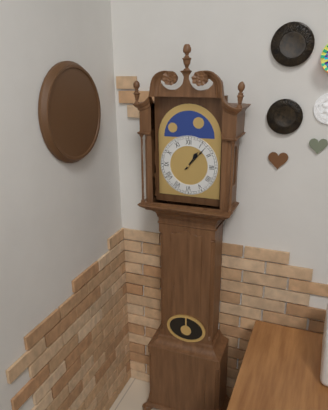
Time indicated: 1:07
